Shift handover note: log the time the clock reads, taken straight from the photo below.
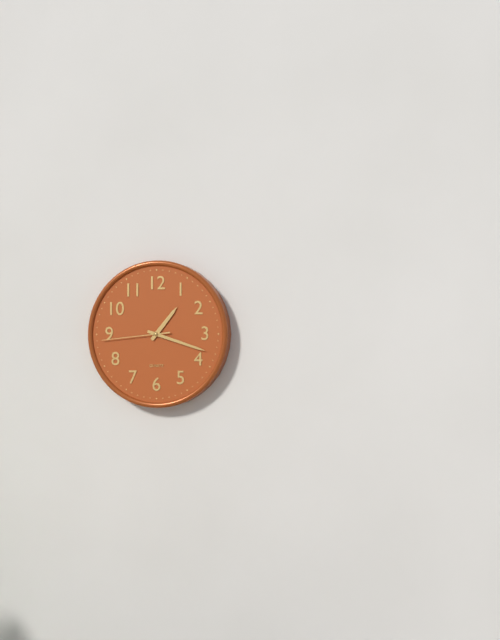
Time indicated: 1:18:44
